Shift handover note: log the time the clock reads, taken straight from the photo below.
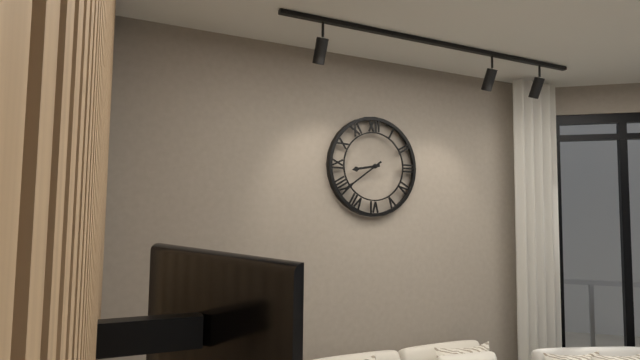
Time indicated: 8:39
